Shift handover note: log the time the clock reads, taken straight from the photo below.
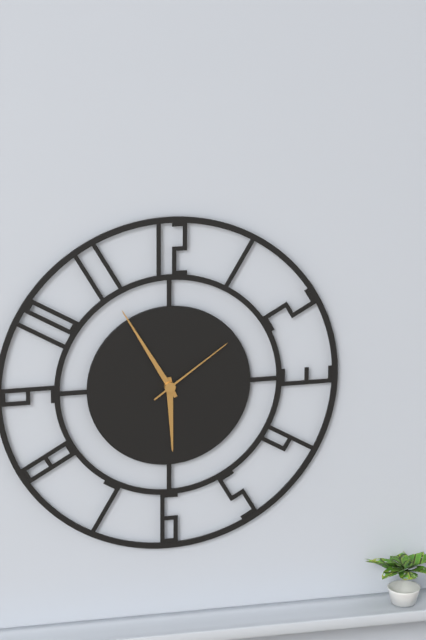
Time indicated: 5:55:09
